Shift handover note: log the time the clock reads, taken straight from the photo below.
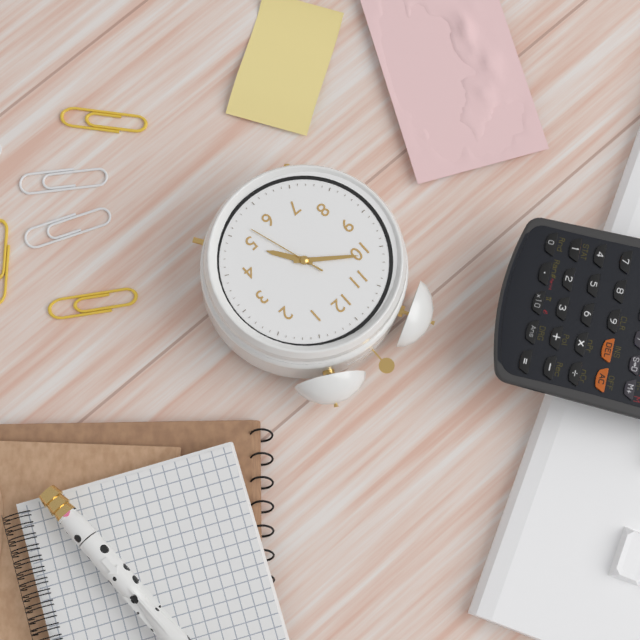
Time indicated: 4:51:27
